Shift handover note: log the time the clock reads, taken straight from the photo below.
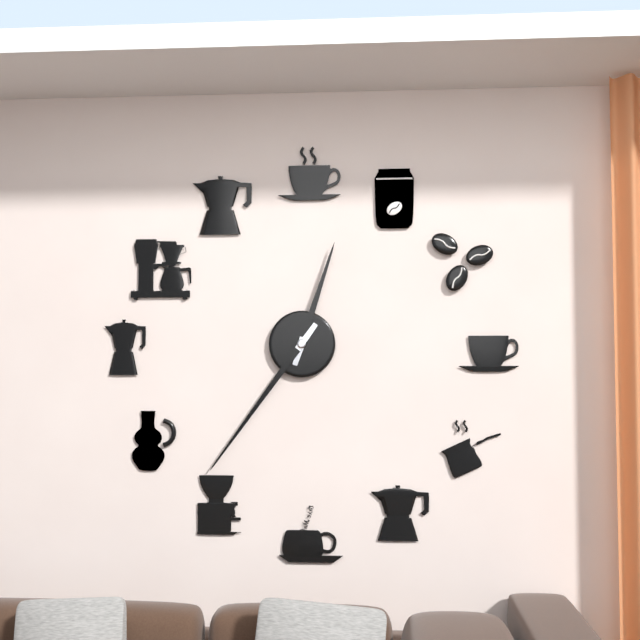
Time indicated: 12:36
